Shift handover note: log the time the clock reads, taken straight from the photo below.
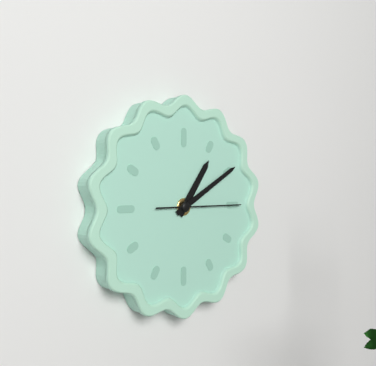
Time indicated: 1:10:15
